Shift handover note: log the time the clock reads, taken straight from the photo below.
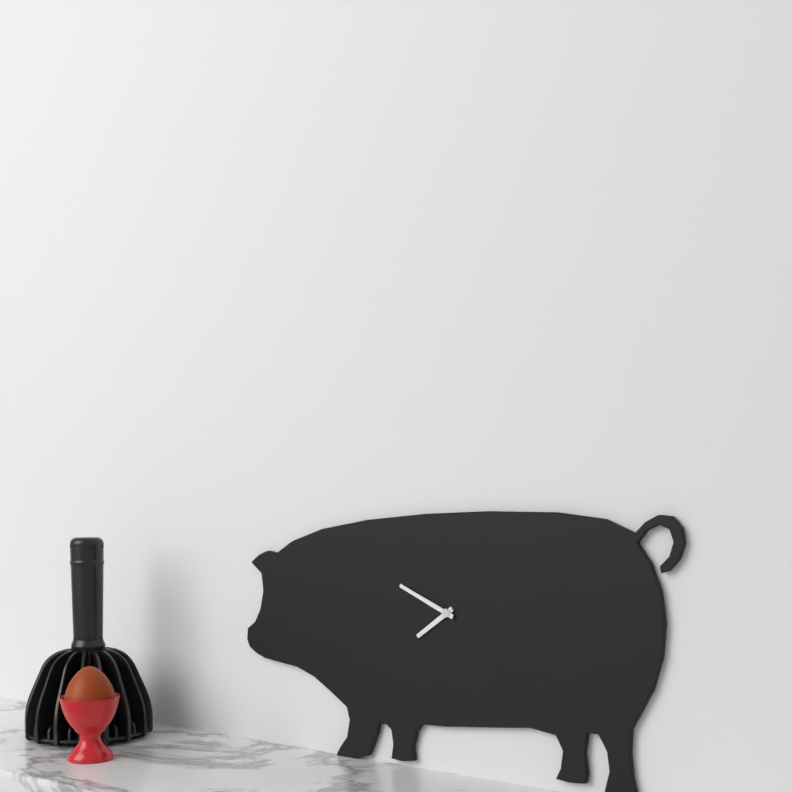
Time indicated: 7:49
